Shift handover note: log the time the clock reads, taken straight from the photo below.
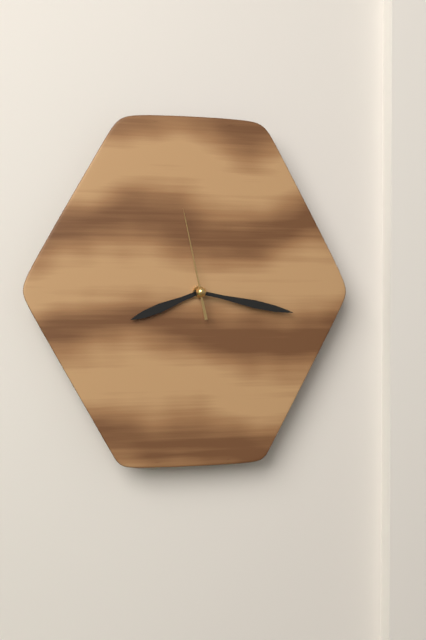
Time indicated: 8:17:58
